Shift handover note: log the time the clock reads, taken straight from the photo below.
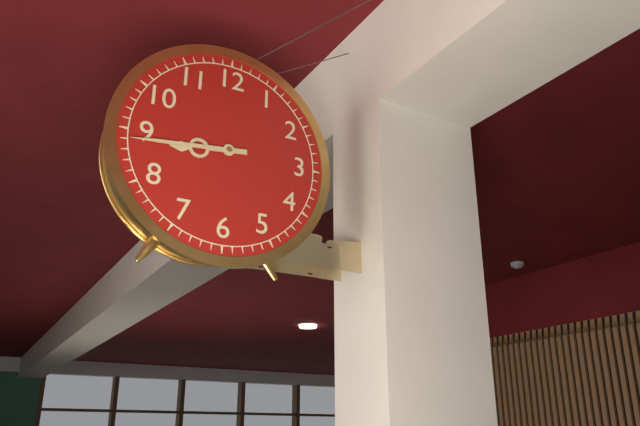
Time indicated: 8:44
